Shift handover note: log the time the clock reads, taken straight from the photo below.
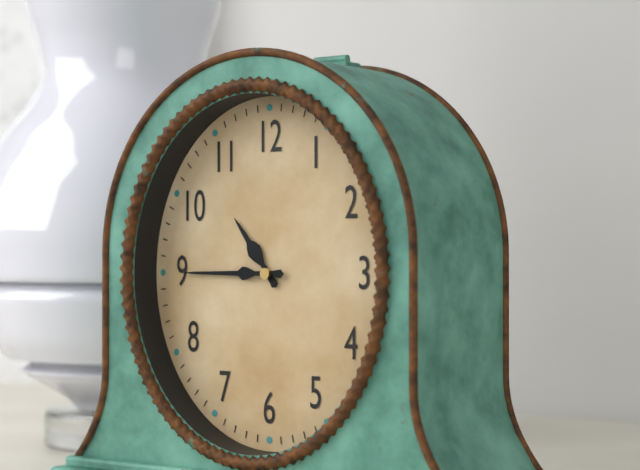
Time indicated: 10:45
